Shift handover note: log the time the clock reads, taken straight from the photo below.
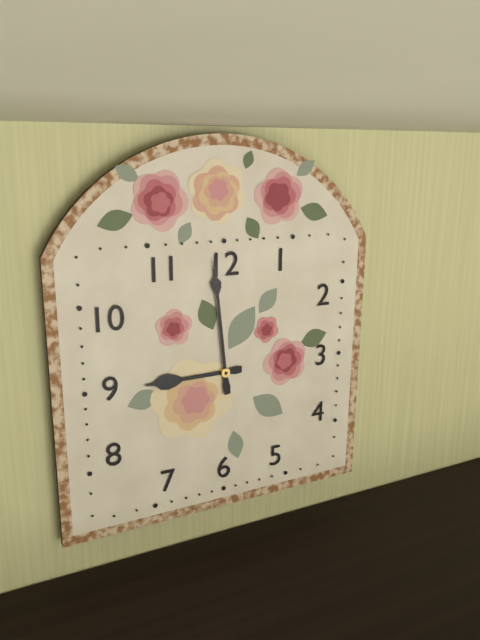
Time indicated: 8:59
